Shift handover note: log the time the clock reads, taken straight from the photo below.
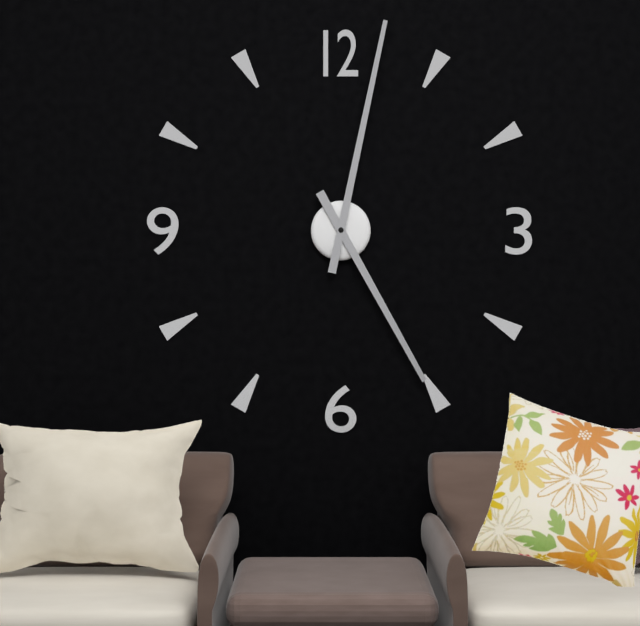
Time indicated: 5:02
